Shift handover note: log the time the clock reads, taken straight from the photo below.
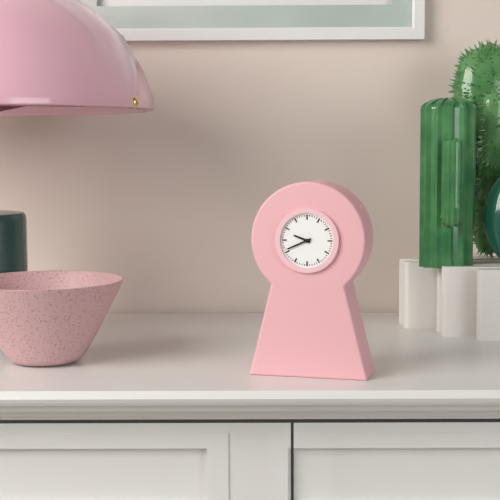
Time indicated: 9:41
